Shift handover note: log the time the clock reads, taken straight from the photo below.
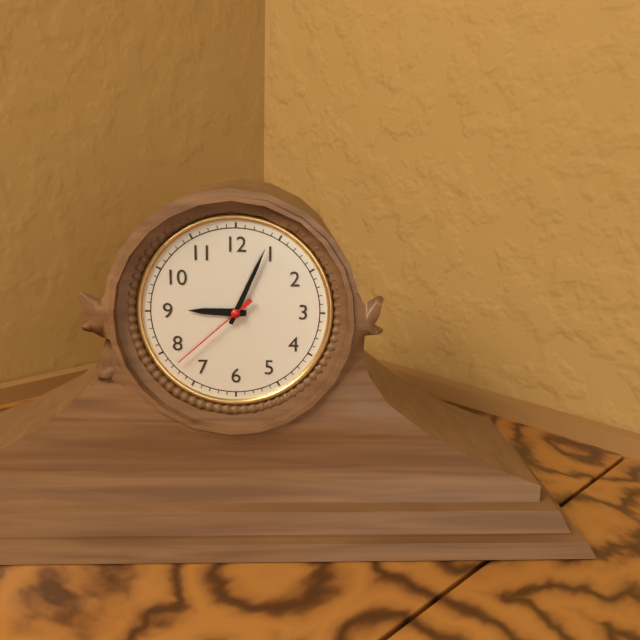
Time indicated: 9:04:38
